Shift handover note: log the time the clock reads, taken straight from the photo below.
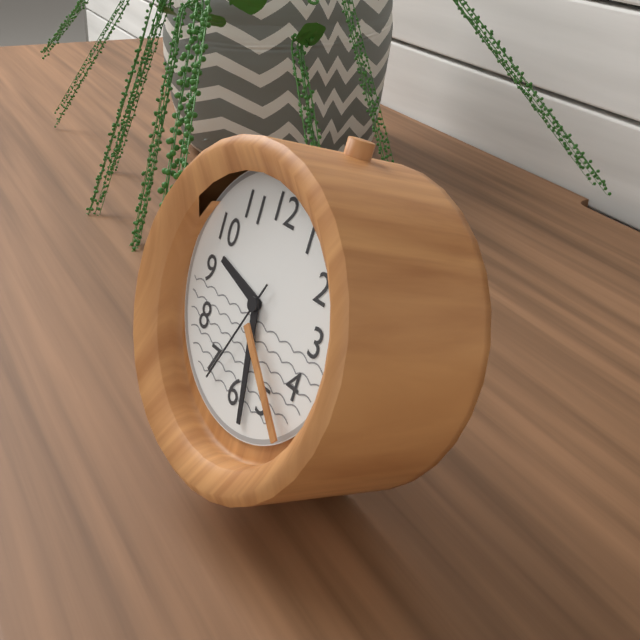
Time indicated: 9:28:34
